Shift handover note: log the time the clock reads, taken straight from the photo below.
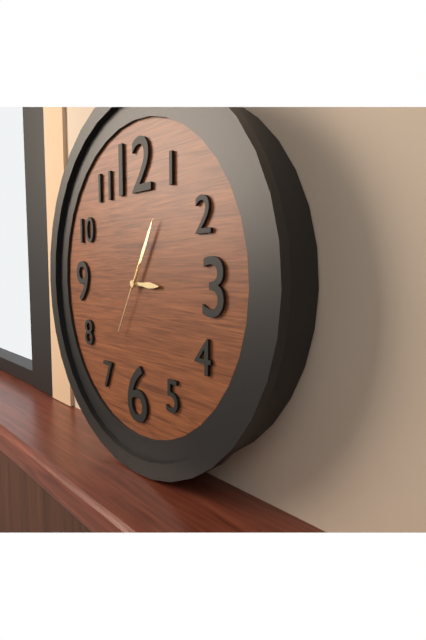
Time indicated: 3:05:35
